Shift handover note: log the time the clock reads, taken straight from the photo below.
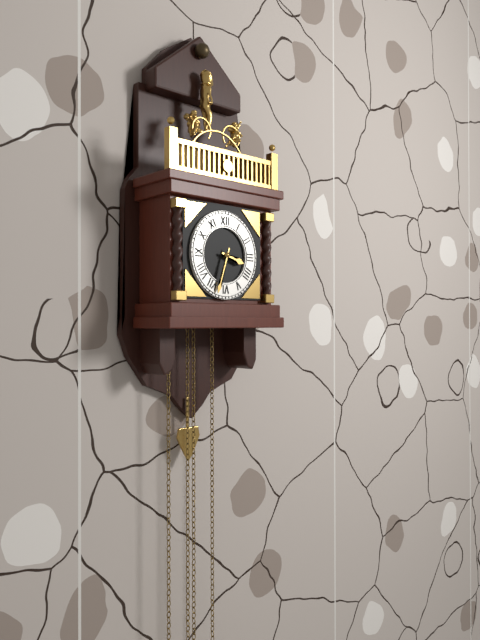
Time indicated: 3:33
